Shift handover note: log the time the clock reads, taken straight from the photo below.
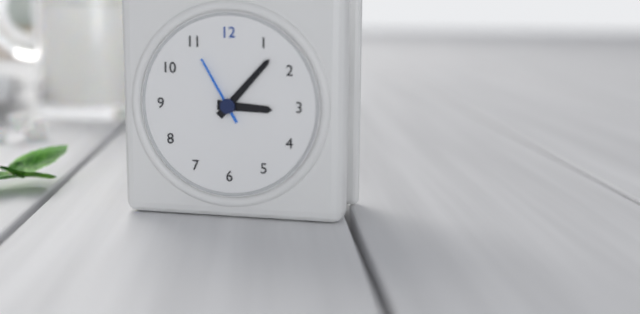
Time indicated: 3:07:55
